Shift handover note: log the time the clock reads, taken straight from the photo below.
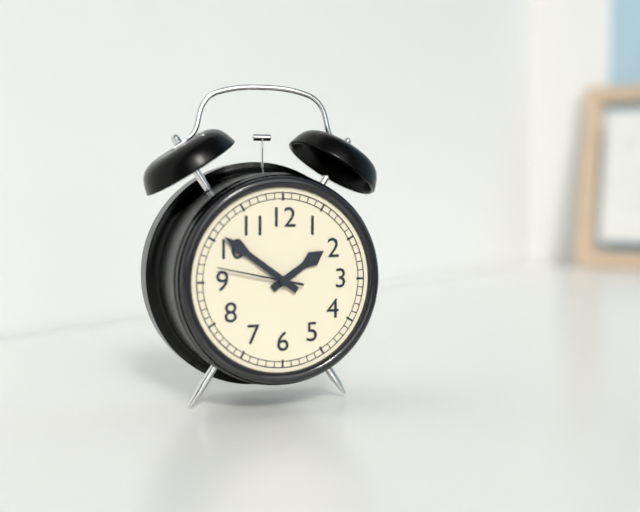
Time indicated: 1:51:47
